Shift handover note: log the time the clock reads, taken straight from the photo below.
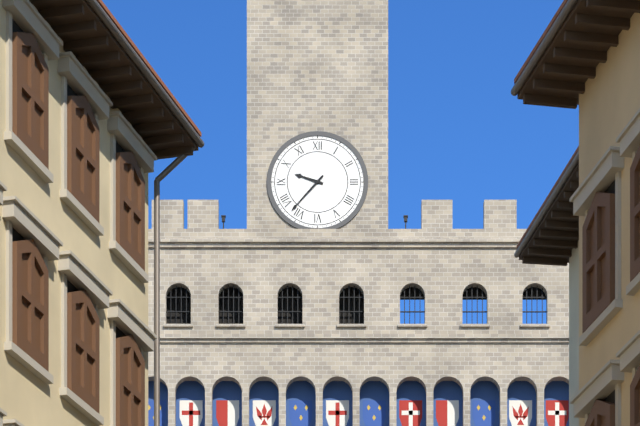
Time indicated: 9:37
